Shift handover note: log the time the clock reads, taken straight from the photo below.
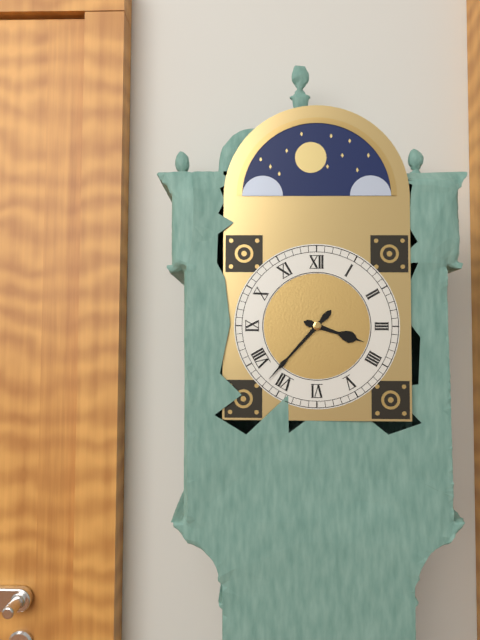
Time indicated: 3:37
